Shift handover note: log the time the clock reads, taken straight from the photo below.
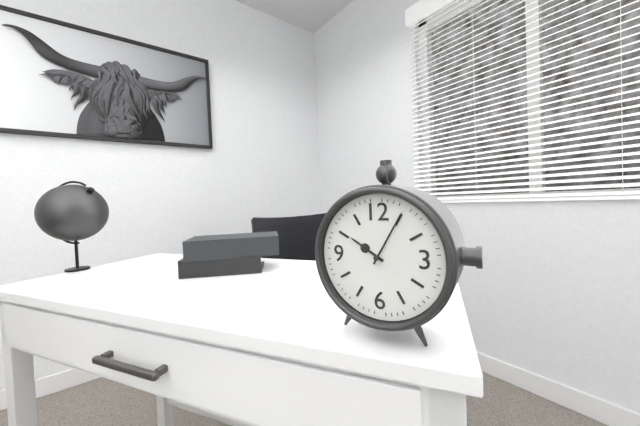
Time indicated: 10:05
